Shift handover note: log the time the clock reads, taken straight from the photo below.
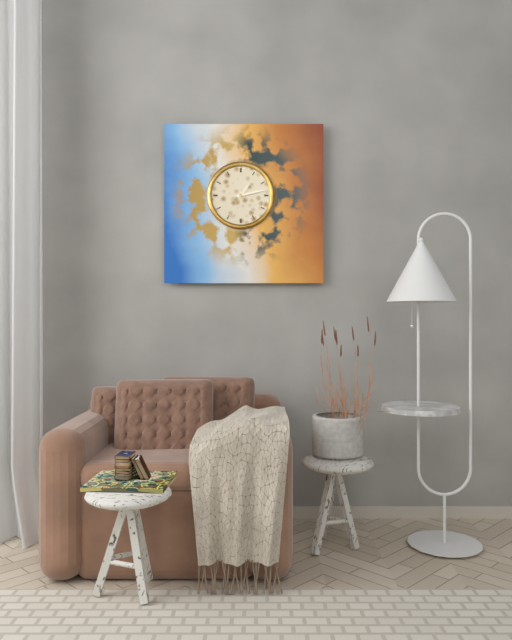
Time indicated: 1:13
